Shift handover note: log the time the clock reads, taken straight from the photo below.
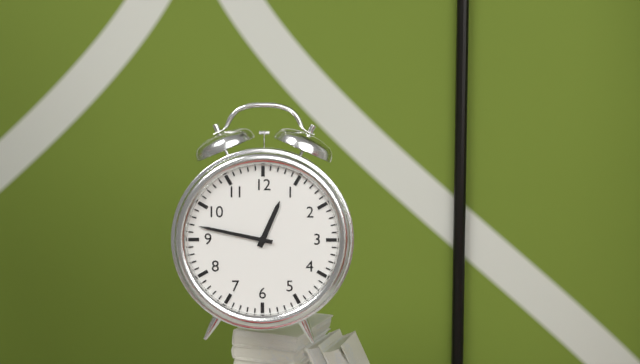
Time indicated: 12:47
